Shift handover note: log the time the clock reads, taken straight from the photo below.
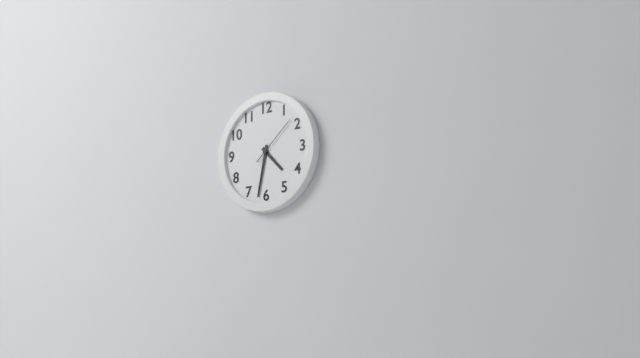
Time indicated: 4:32:08
